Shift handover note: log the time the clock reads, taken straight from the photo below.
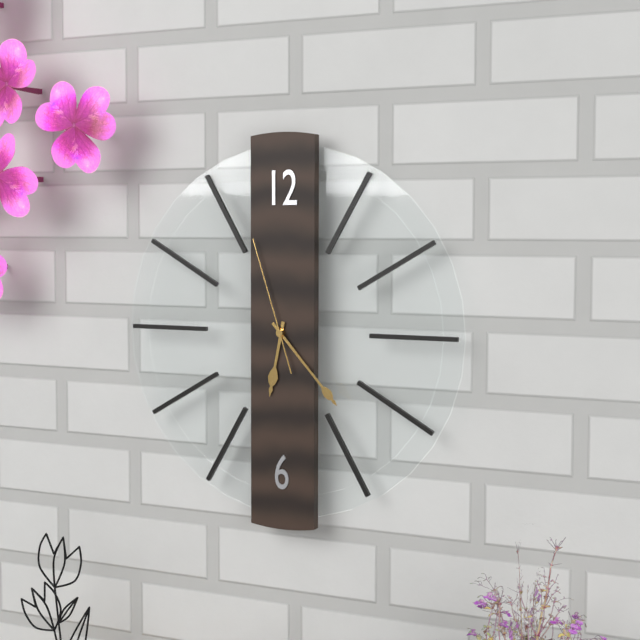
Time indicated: 6:23:57
